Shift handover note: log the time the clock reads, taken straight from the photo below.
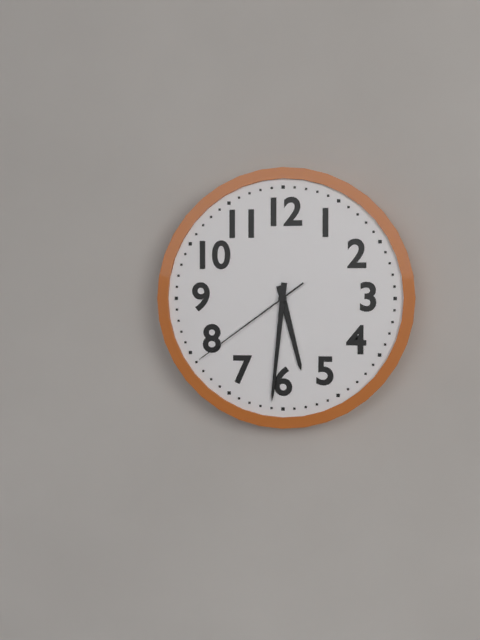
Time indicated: 5:31:39
